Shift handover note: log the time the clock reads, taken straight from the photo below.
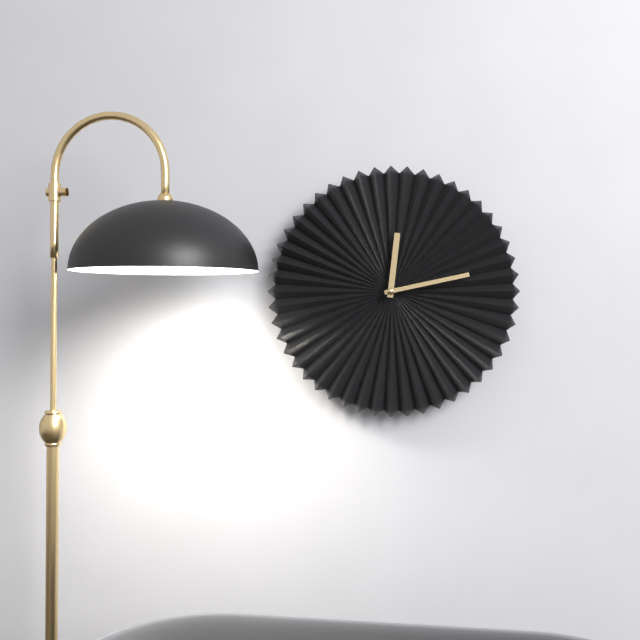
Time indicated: 12:13
